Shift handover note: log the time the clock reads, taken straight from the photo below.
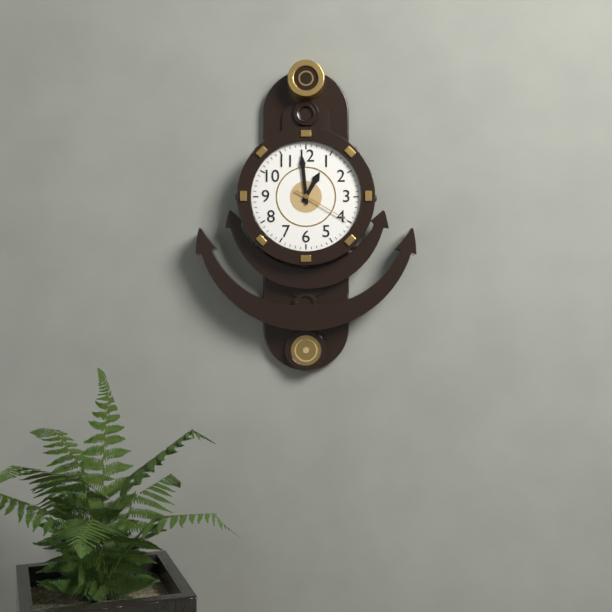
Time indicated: 12:59:20
